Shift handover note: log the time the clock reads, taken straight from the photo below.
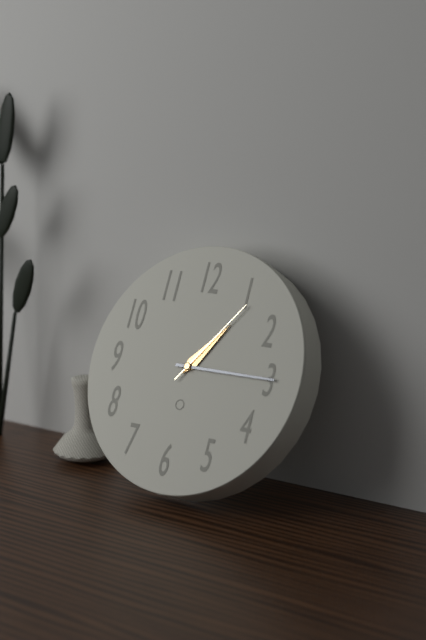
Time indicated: 1:15:06
